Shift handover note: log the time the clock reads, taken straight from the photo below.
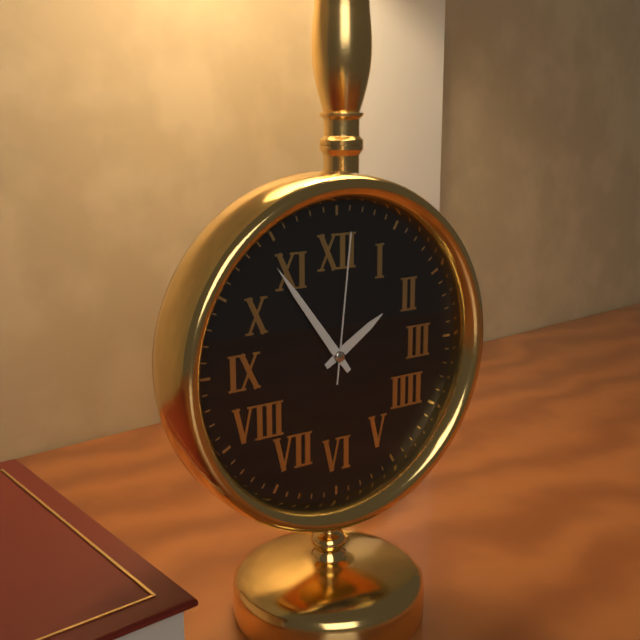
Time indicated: 1:54:01
